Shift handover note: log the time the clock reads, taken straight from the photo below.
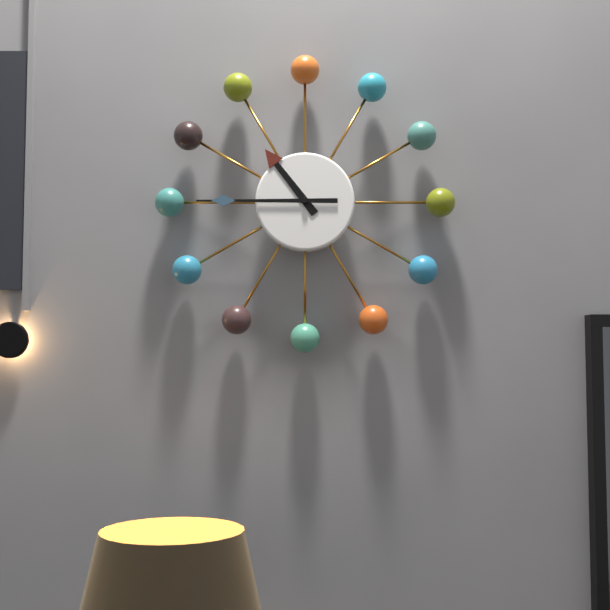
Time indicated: 10:45
